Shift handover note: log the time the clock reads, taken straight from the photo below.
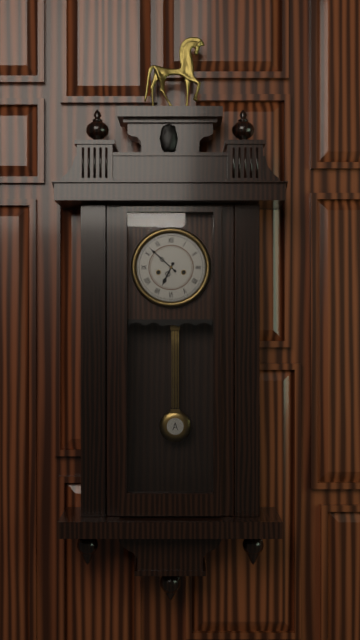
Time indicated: 6:52
